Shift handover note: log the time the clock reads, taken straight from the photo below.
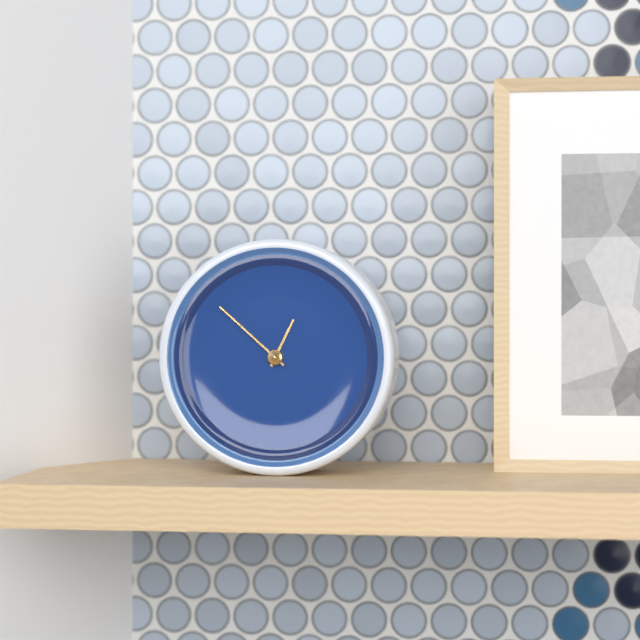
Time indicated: 12:52
